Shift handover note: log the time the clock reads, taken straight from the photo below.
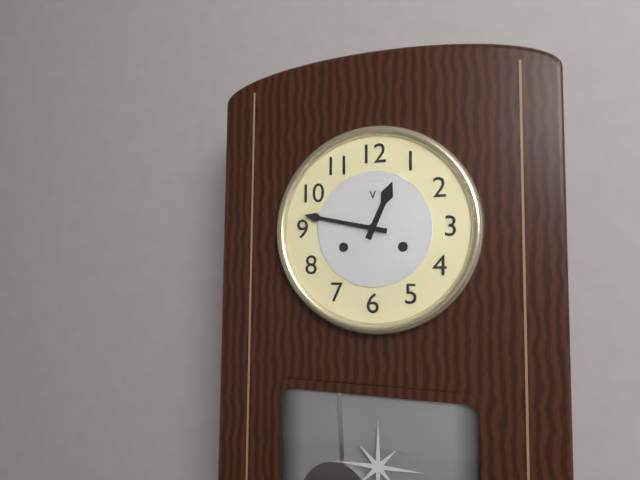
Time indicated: 12:47
